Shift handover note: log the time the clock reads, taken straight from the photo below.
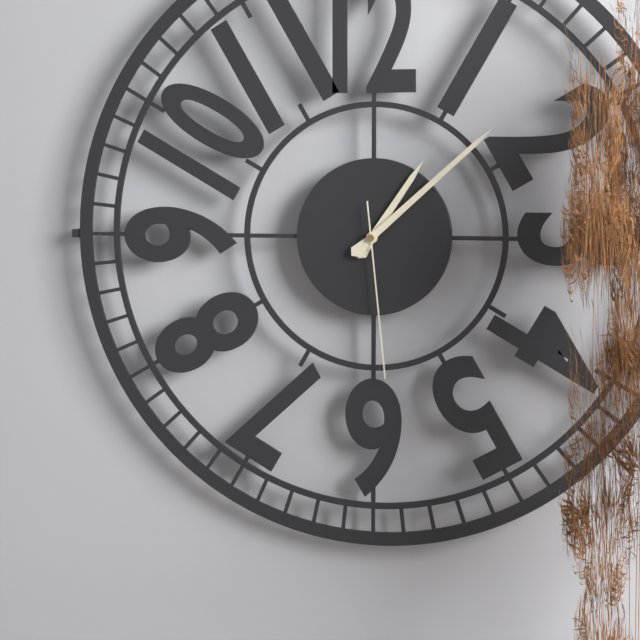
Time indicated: 1:08:29
